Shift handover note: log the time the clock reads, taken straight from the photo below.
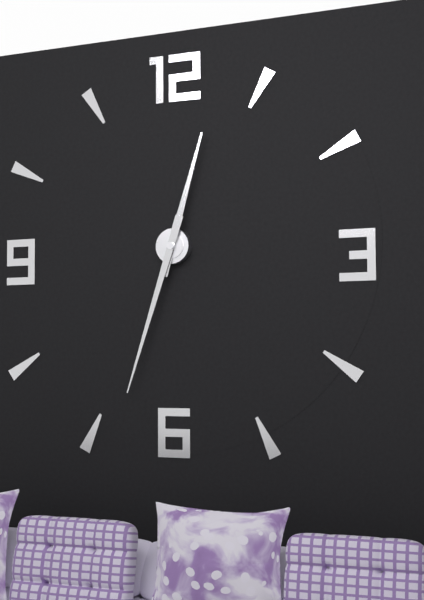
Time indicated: 12:33
